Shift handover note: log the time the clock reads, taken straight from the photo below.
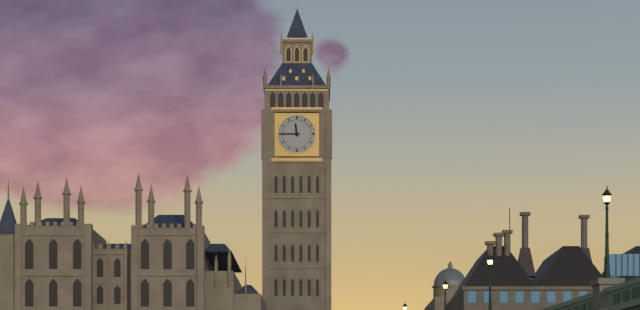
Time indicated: 11:45
